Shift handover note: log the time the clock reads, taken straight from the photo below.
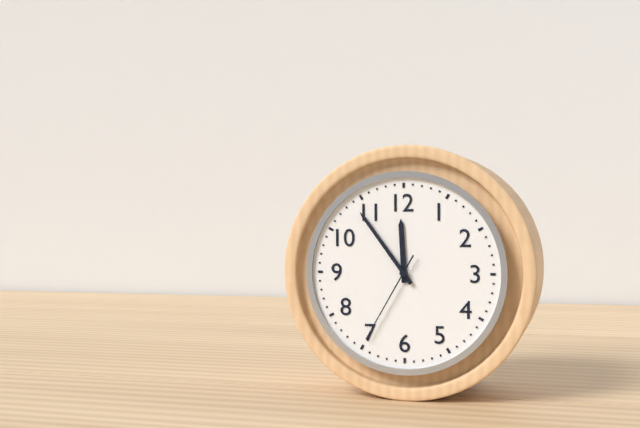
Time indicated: 11:54:35
